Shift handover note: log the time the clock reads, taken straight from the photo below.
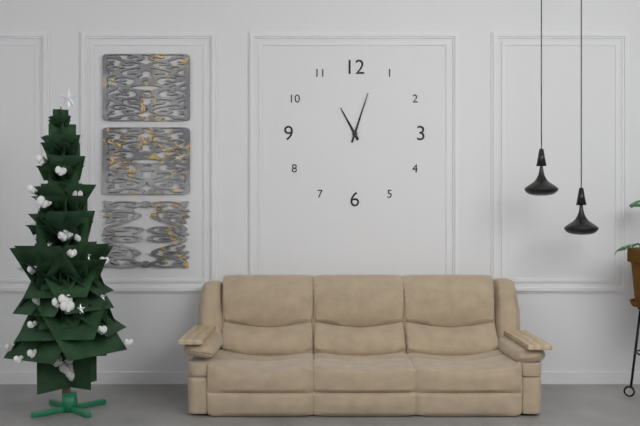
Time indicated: 11:03
